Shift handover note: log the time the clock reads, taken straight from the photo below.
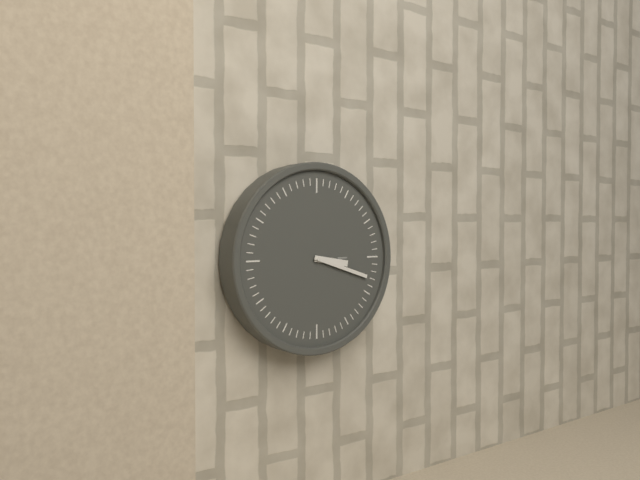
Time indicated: 3:18
